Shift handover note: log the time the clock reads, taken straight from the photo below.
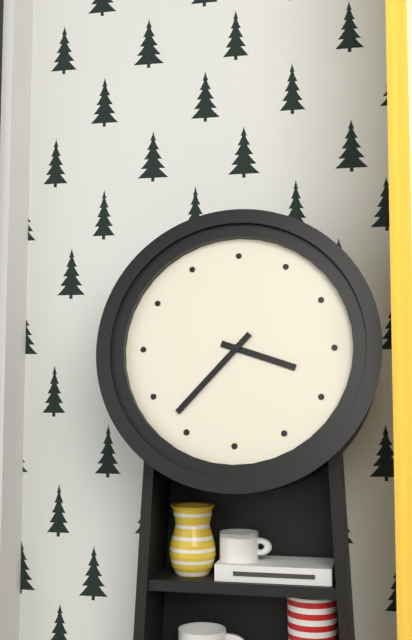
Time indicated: 3:37
